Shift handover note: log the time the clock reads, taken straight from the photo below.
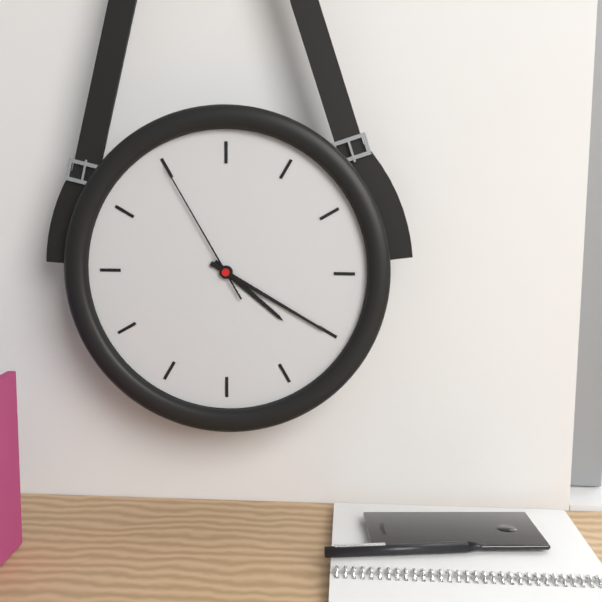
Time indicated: 4:20:55
